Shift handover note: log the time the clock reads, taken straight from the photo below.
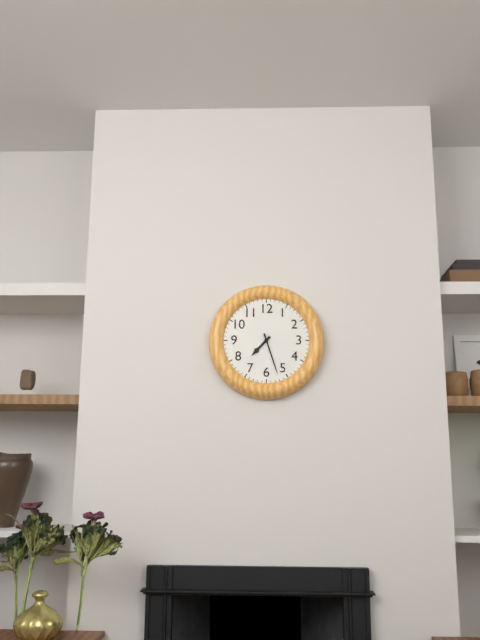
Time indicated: 7:27
